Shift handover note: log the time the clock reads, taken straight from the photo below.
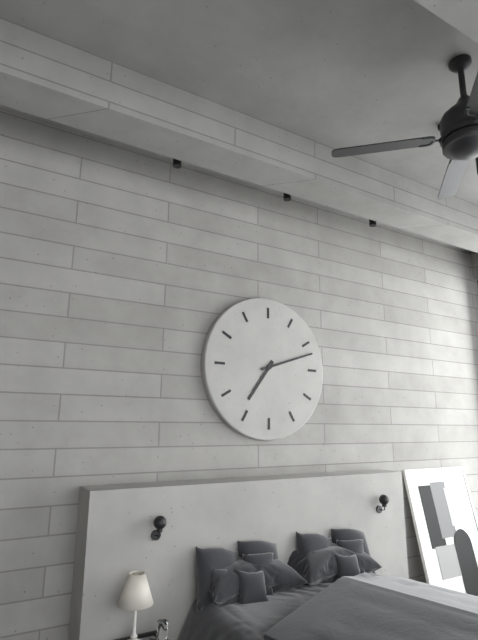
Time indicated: 7:12
